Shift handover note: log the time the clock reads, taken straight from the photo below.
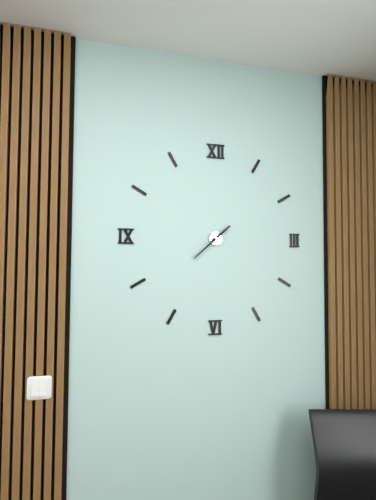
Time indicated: 1:38
